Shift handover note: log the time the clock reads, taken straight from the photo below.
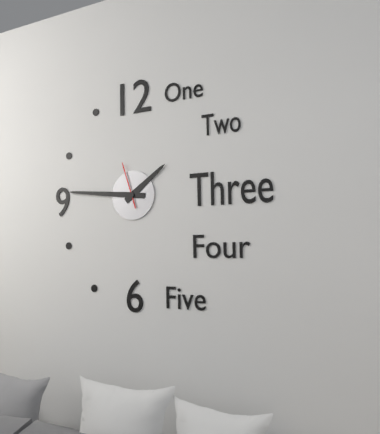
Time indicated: 1:46
